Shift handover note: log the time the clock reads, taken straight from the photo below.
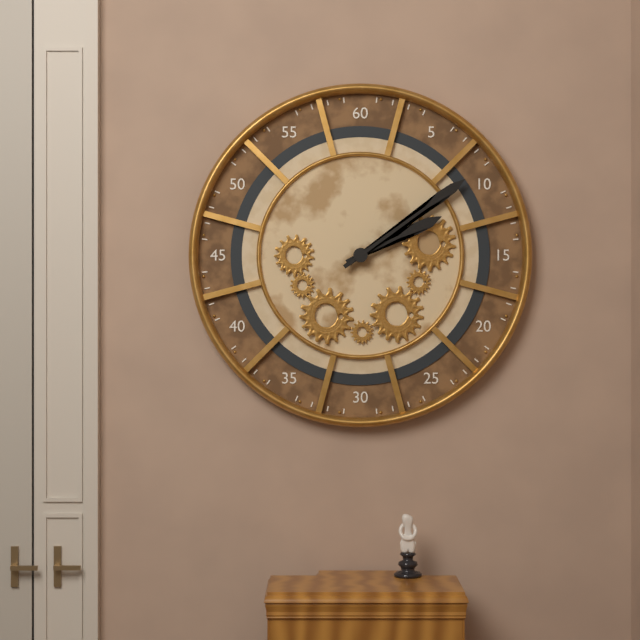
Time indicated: 2:09
